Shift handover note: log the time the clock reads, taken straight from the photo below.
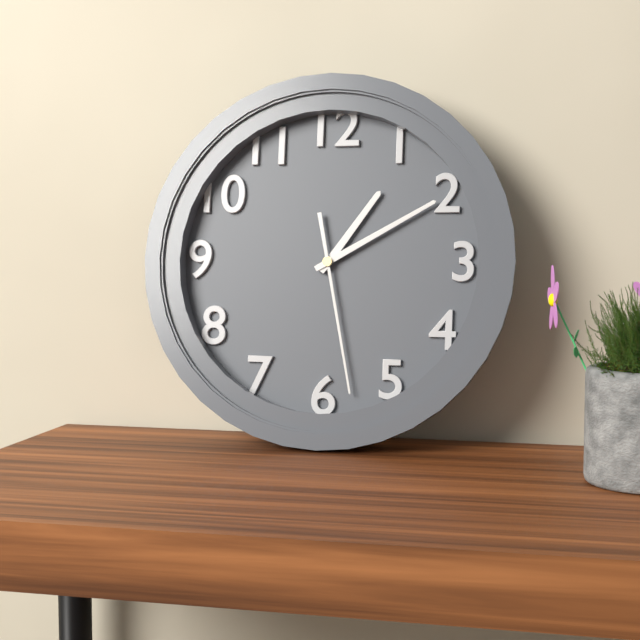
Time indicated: 1:10:28
